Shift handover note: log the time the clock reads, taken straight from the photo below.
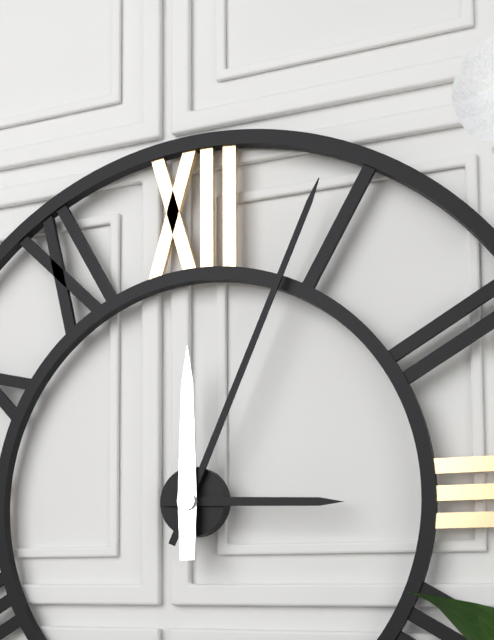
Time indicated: 3:04:00
